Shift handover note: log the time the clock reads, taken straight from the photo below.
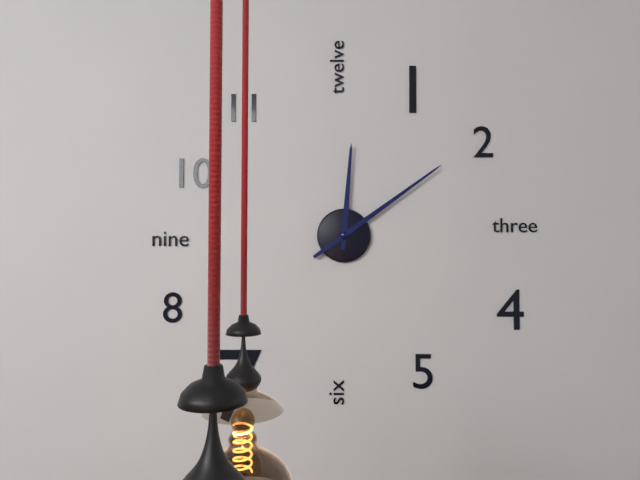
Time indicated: 12:09
